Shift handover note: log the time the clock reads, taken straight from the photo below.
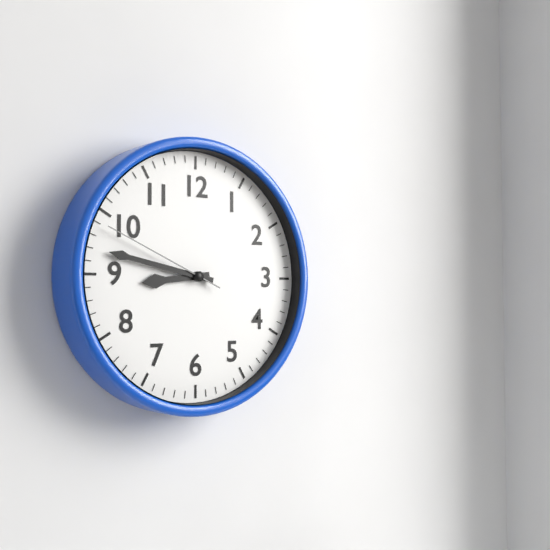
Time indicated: 8:47:49
